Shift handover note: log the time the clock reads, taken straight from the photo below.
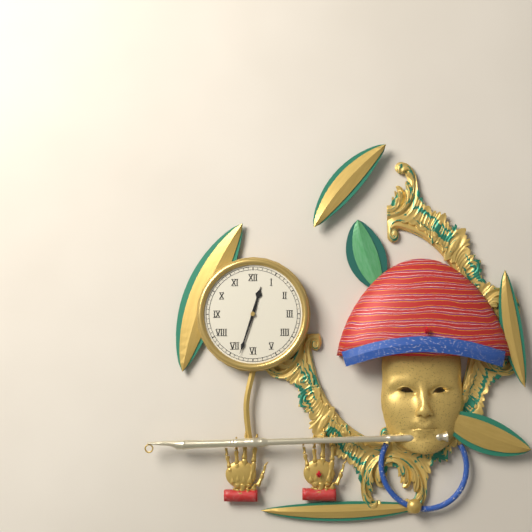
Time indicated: 12:33
